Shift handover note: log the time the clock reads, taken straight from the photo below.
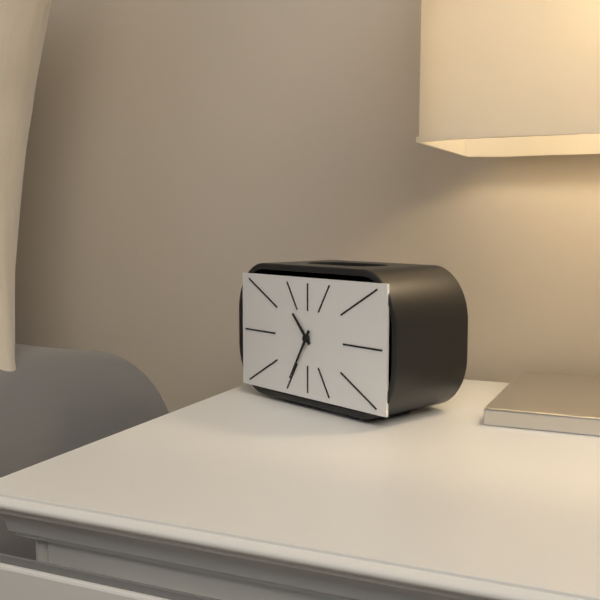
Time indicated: 10:35
